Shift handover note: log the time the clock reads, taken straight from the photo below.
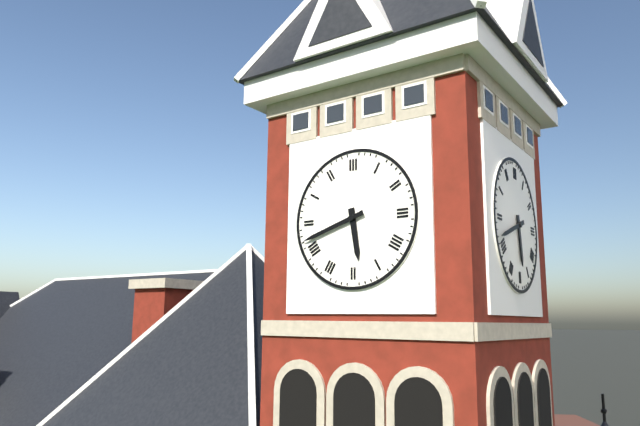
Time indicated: 5:42
